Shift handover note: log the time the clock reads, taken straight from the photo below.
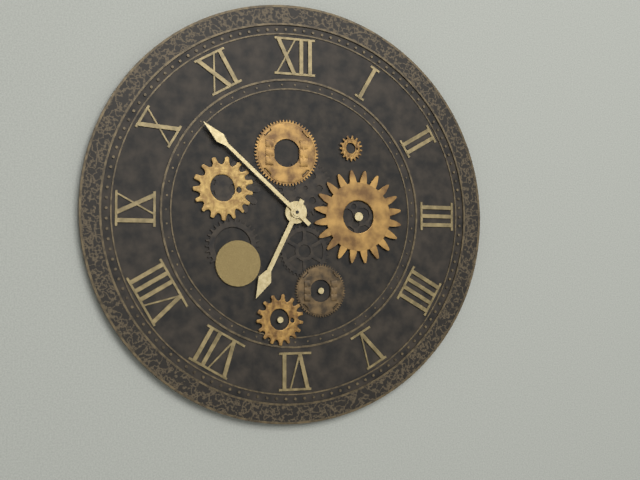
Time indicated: 6:52
